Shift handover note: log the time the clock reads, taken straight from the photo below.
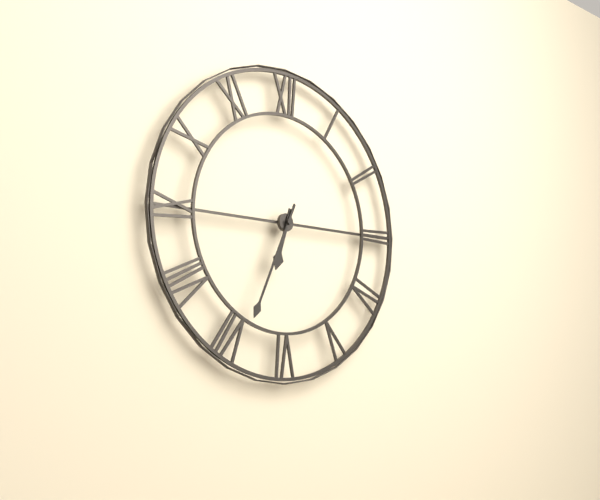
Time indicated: 6:34
